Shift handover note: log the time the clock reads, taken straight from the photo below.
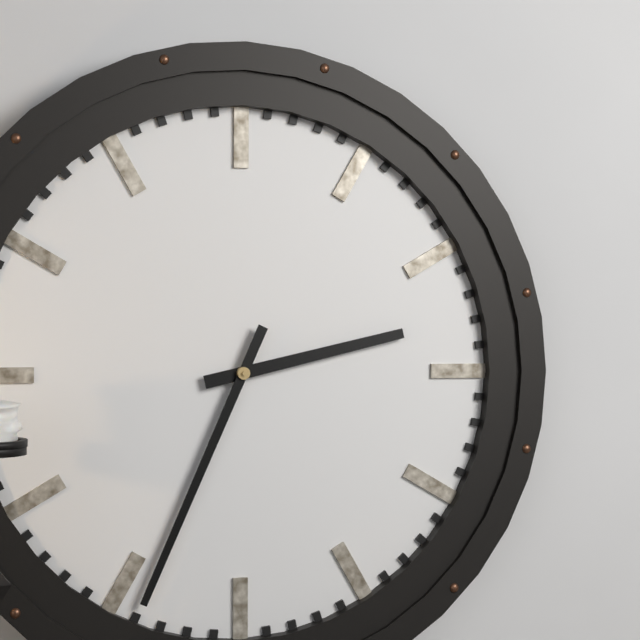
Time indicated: 2:34
